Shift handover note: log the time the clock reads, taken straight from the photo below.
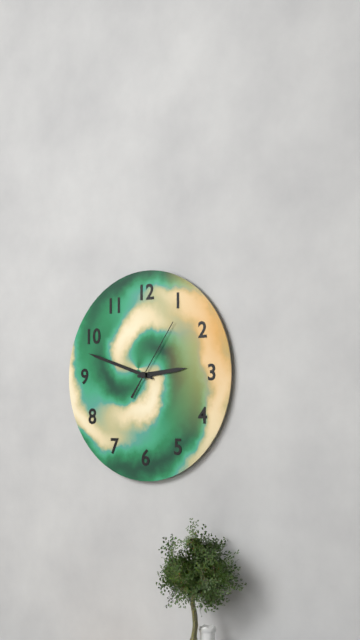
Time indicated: 2:48:06
